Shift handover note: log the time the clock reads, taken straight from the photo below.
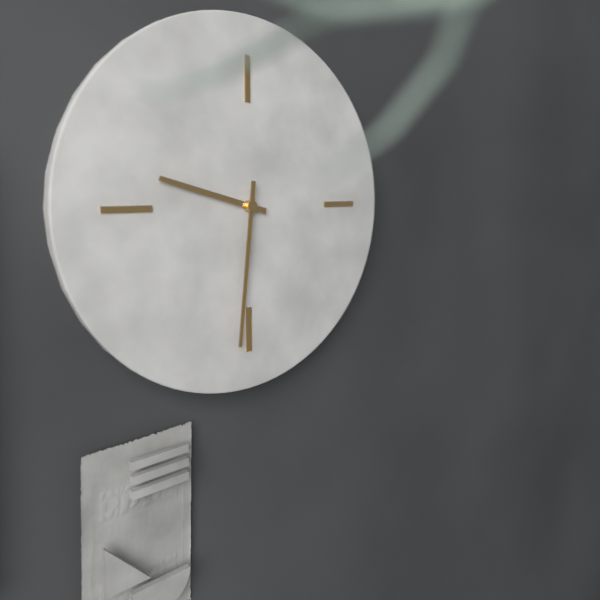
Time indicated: 9:31
